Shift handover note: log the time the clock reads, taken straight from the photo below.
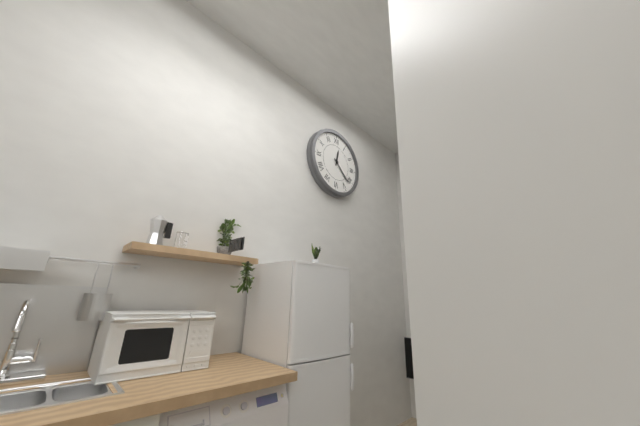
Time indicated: 12:22
